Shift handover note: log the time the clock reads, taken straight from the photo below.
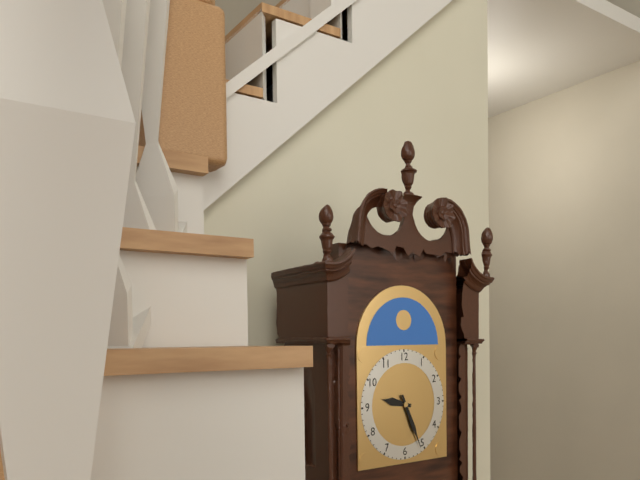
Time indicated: 9:26
